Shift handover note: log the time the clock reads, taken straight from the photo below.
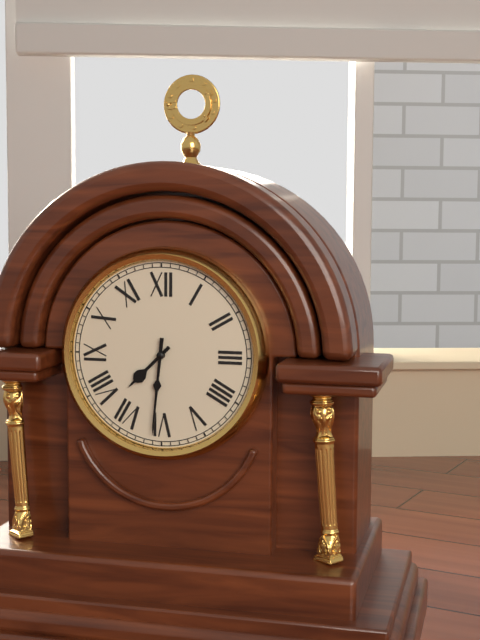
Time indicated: 7:31
